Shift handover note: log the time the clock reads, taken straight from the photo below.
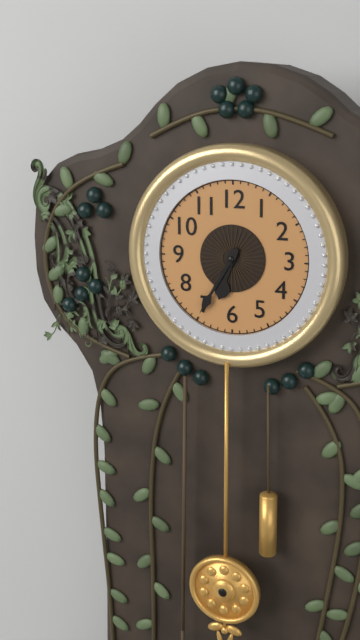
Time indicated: 6:35
